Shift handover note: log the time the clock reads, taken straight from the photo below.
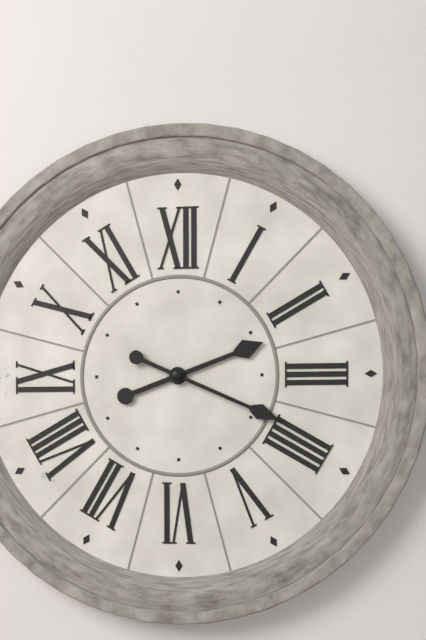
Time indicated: 2:19
